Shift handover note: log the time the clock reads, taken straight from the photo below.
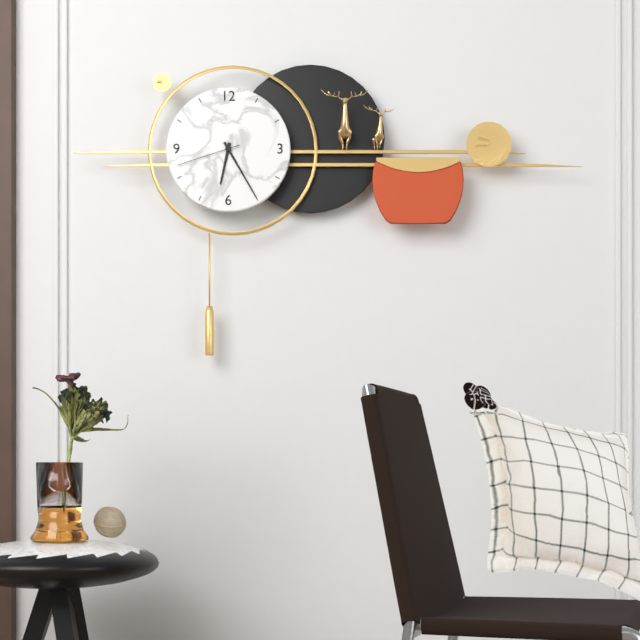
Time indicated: 6:25:42
